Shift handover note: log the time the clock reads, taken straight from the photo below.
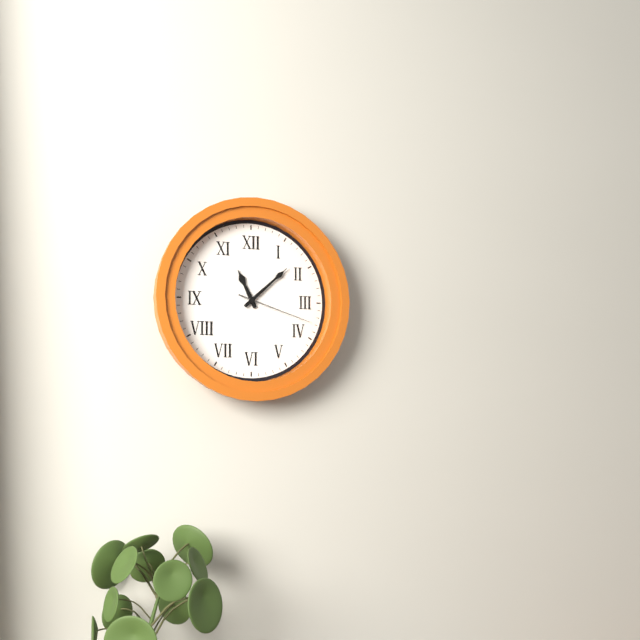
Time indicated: 11:08:18
